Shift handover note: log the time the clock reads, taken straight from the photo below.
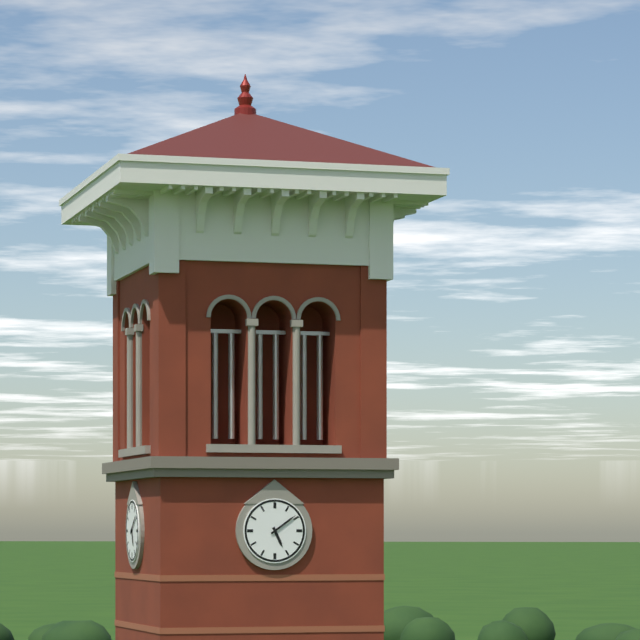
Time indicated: 5:09
